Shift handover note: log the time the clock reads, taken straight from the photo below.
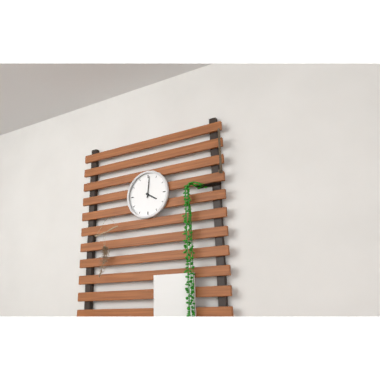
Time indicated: 4:01
